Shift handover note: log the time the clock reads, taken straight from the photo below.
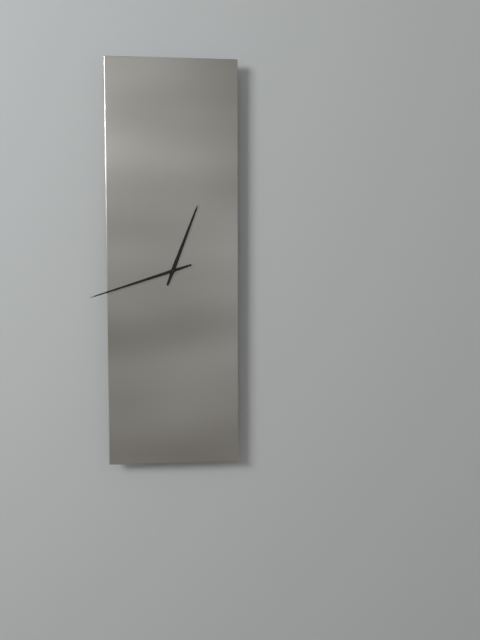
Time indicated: 12:42
